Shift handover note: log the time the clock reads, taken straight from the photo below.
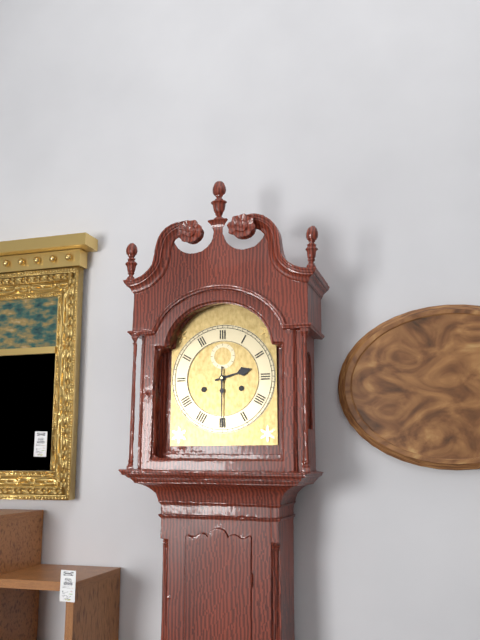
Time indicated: 2:30
